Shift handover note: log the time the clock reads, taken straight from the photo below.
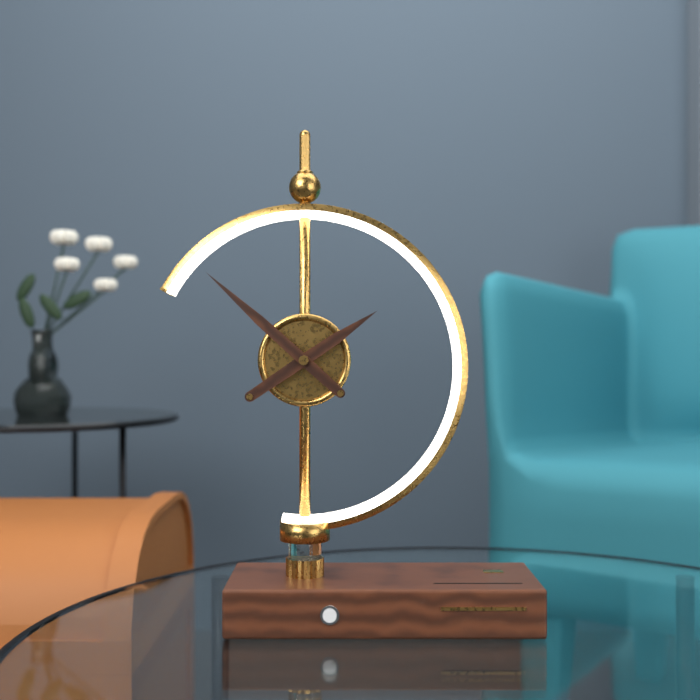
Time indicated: 1:52
